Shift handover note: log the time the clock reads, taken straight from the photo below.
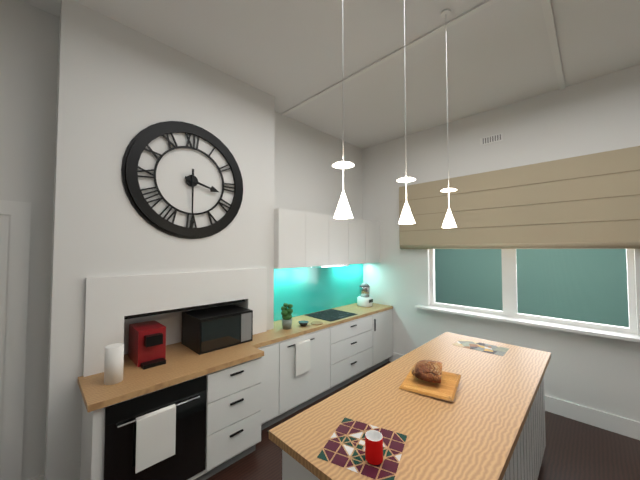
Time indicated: 3:30
